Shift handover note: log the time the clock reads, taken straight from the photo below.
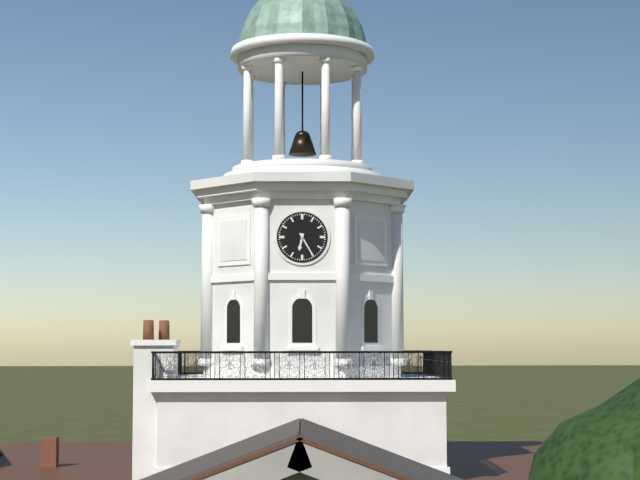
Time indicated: 6:25
